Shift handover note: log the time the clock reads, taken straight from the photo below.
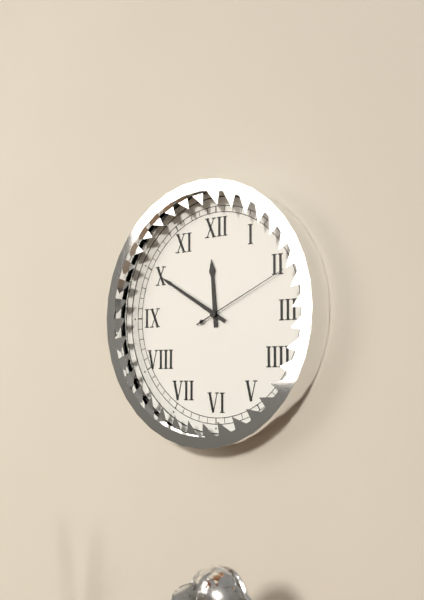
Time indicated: 11:50:11
